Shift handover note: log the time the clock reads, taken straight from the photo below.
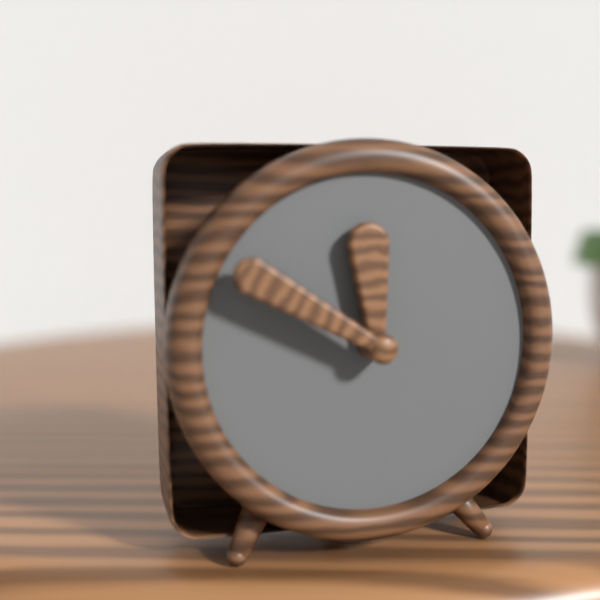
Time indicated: 11:50
